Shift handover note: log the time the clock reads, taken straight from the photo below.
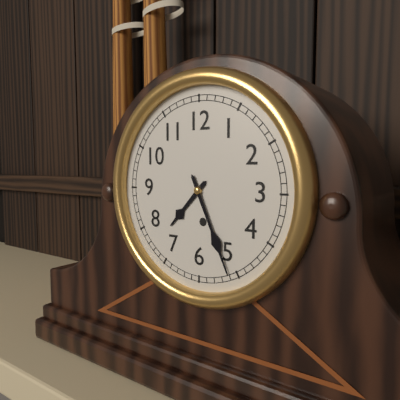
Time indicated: 7:26
